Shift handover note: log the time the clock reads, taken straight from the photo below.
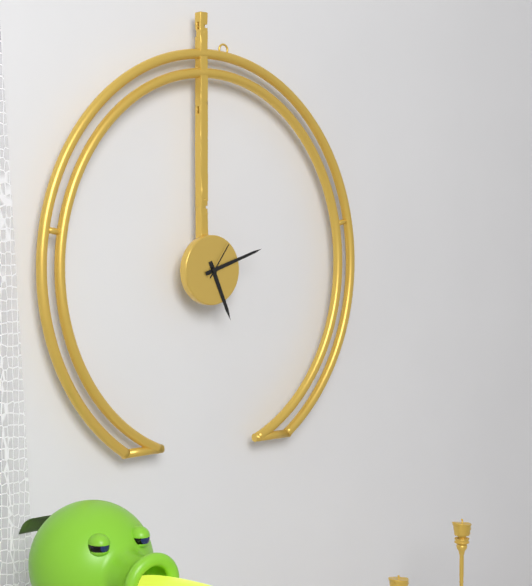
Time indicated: 5:12
